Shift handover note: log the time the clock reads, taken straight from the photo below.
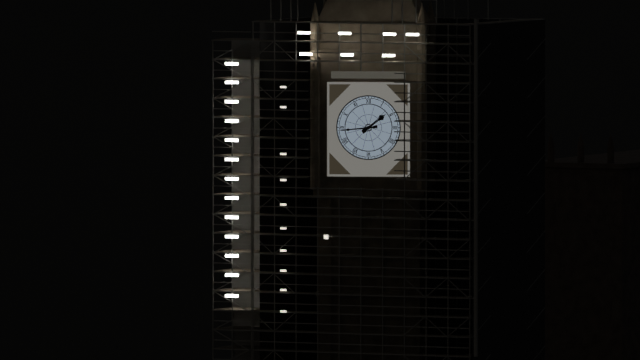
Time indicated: 1:44
